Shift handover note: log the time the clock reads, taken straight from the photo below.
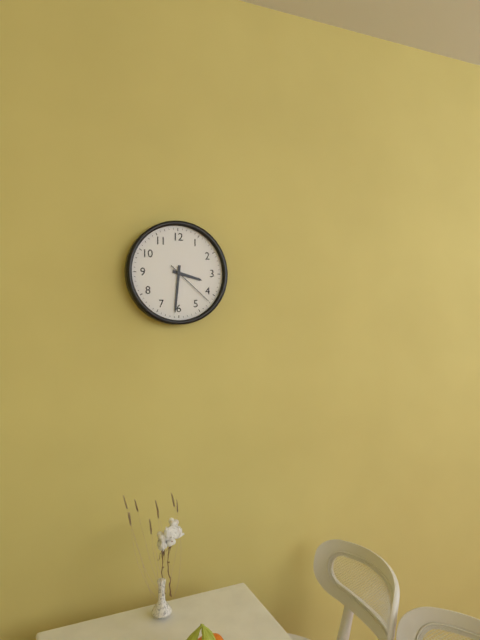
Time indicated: 3:31:22
